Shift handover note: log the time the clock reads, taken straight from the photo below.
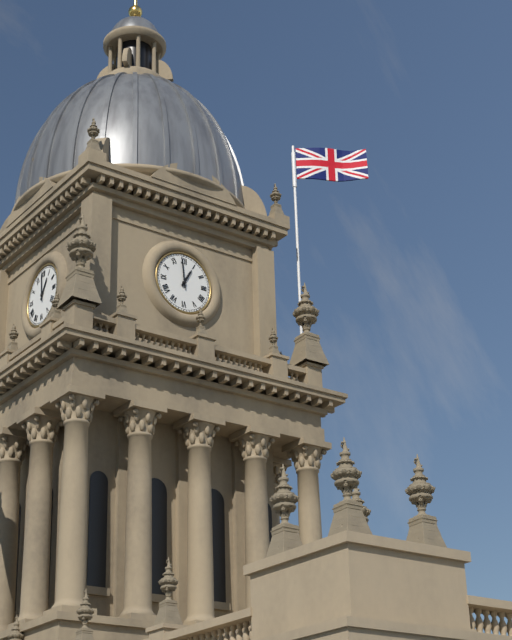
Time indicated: 12:59
